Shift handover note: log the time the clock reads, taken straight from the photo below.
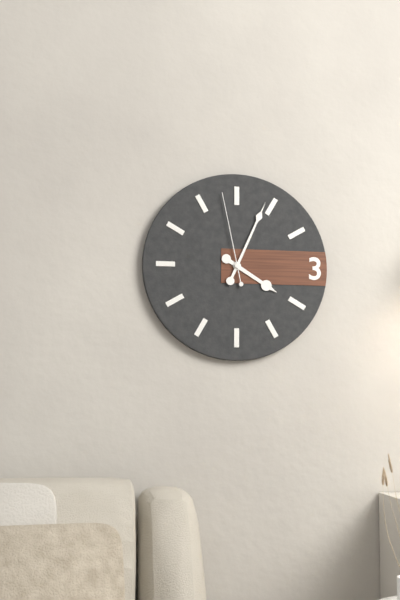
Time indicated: 4:04:58
